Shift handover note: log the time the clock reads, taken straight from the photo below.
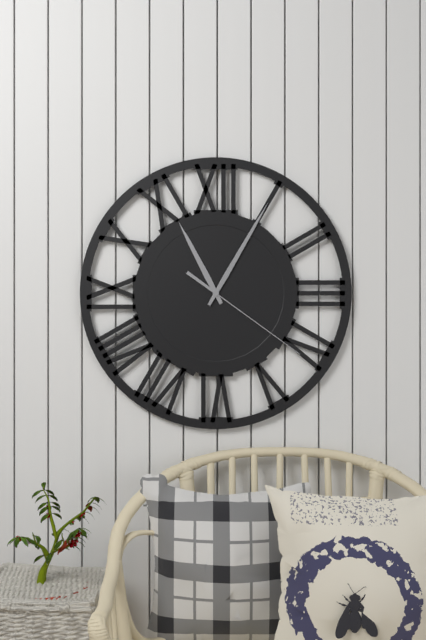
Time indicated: 11:05:21
